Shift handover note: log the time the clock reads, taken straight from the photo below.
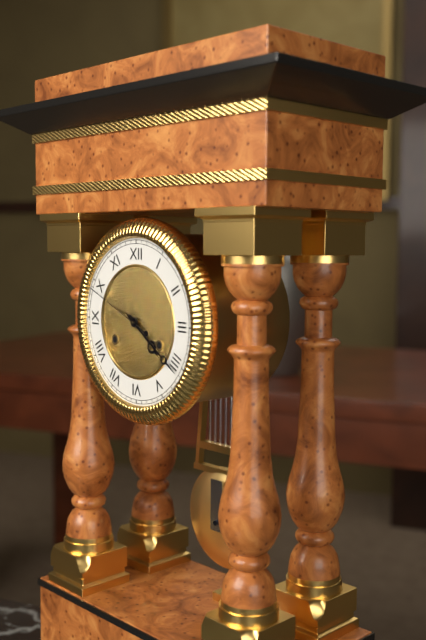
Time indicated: 4:21:49
